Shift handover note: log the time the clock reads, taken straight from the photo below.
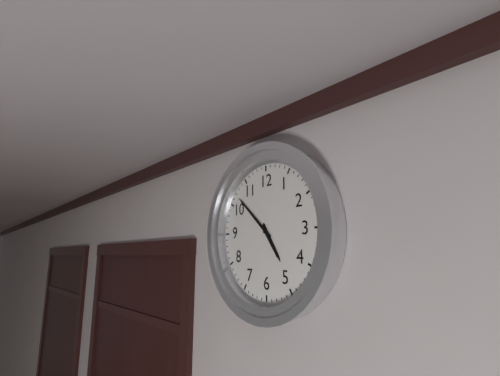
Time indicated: 4:52
